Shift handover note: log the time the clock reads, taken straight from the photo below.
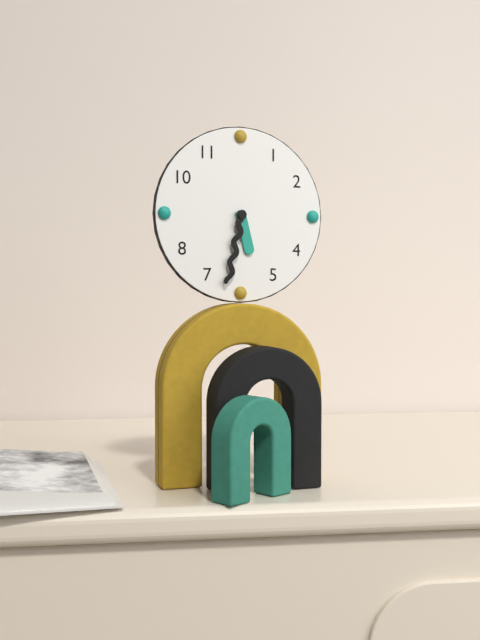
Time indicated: 5:32
